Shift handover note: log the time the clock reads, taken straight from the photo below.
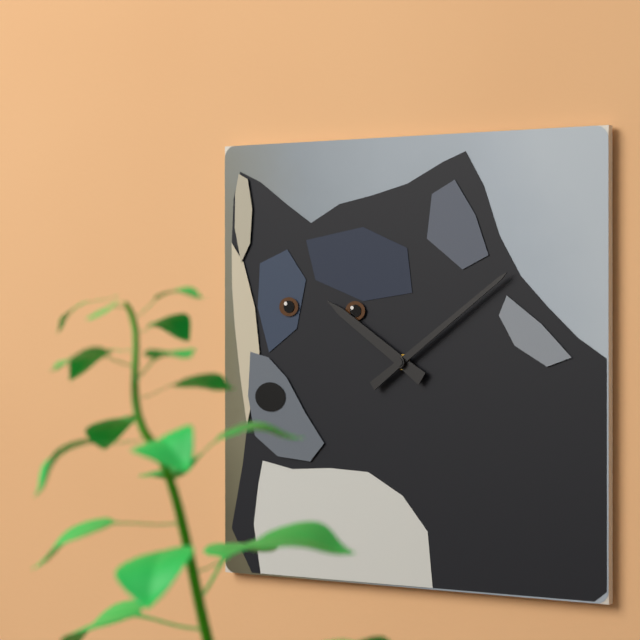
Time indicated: 10:09
